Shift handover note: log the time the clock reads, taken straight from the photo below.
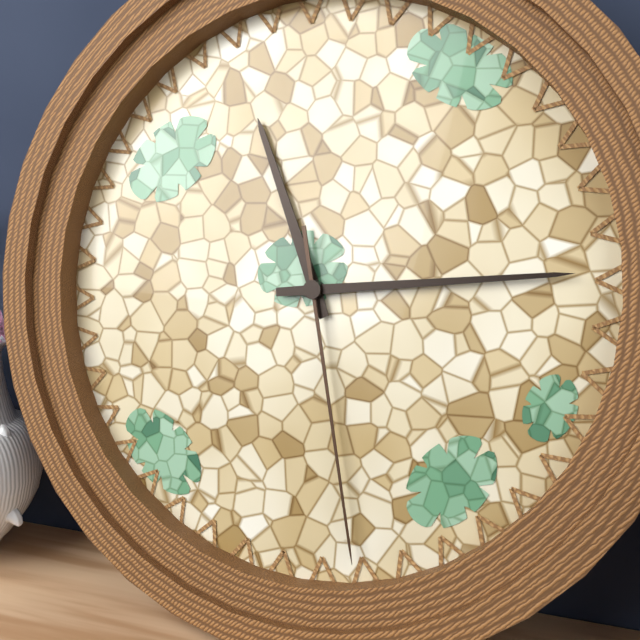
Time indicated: 11:14:28
